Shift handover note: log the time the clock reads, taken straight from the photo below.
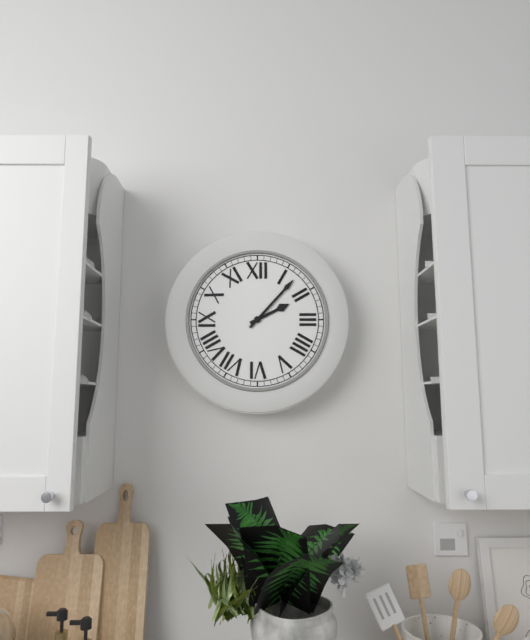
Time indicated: 2:07
